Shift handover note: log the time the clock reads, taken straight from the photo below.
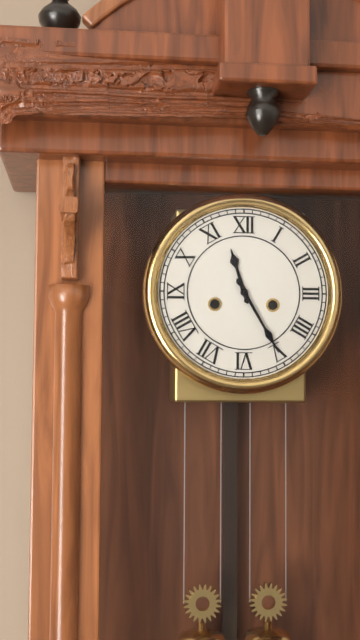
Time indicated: 11:25
